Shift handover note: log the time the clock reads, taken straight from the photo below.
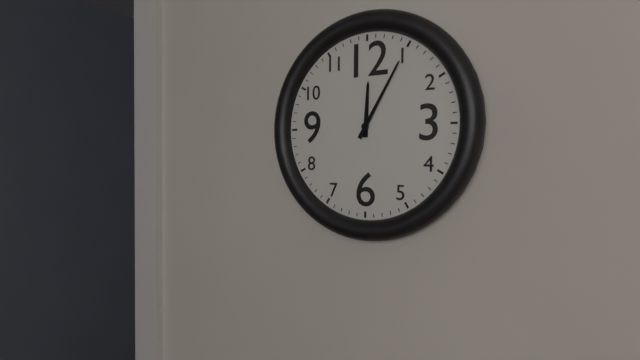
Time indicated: 12:05
